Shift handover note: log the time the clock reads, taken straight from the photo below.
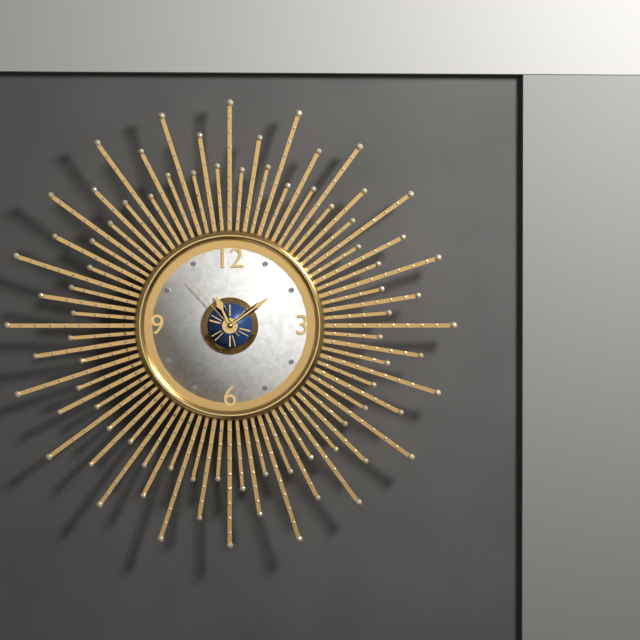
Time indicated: 11:09:53
